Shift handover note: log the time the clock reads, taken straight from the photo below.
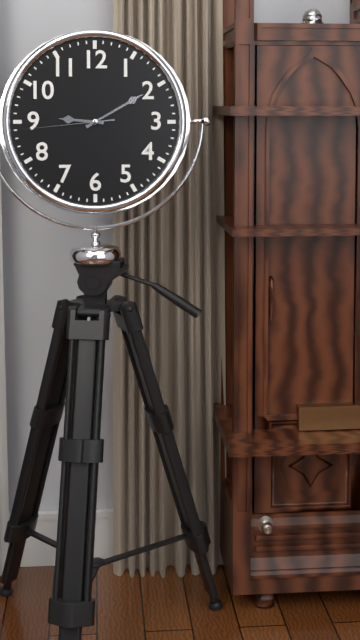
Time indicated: 9:10:44
